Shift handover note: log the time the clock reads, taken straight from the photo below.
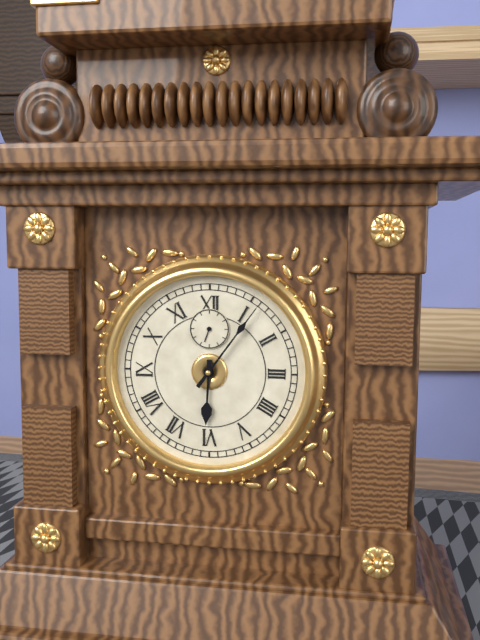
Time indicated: 6:06
